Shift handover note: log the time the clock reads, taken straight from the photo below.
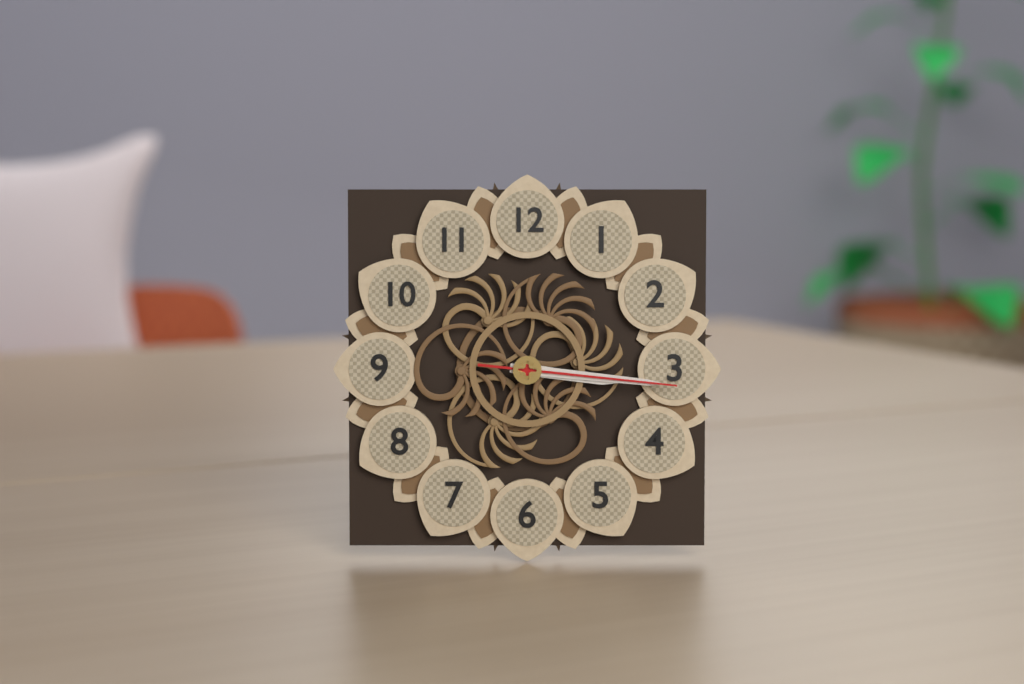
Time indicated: 3:16:16
